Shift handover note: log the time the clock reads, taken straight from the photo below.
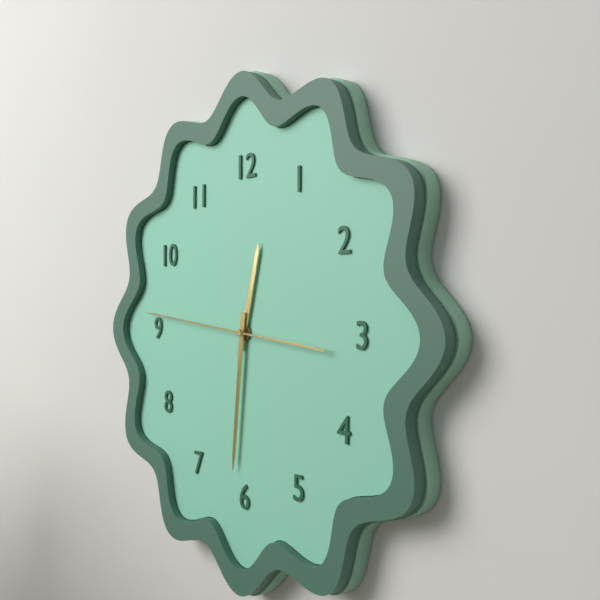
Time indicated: 12:31:46
